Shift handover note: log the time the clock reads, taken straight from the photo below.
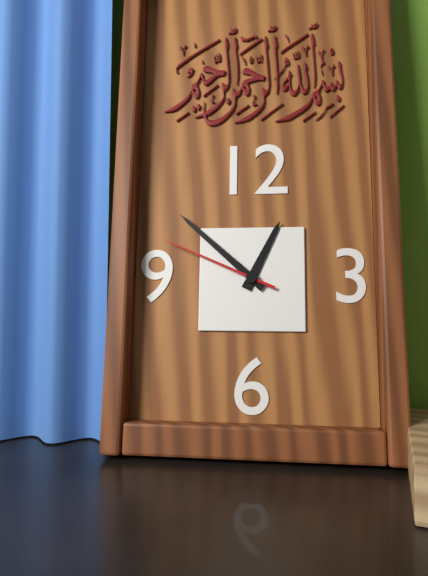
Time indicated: 12:52:49
